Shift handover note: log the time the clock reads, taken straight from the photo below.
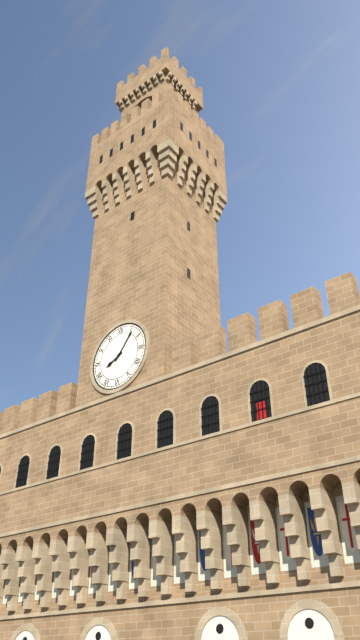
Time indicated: 8:06
